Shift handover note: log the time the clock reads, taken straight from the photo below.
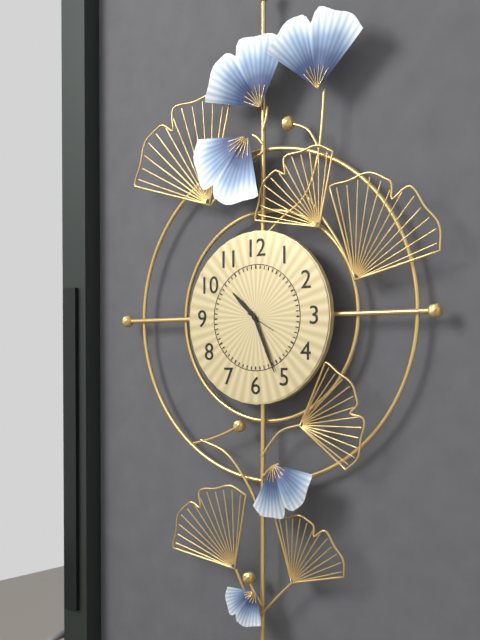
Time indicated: 10:26
